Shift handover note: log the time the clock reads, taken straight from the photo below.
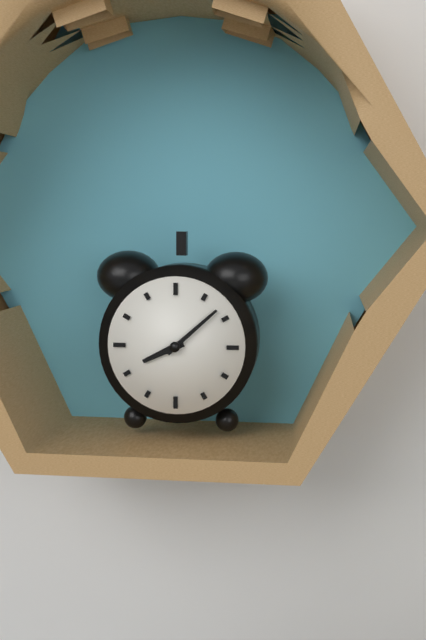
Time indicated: 8:08
